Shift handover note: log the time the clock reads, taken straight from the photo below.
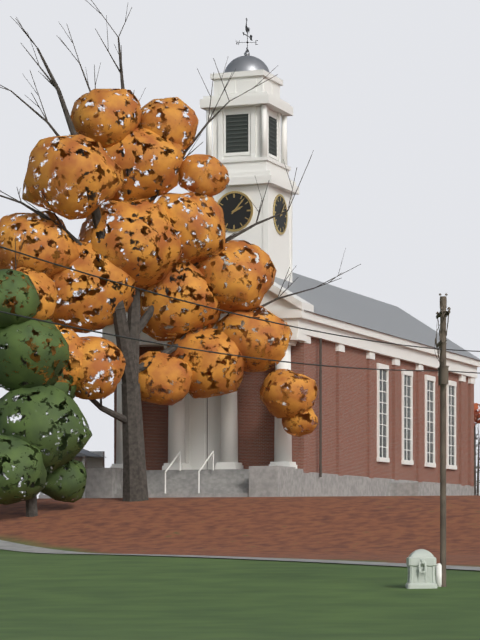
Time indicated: 2:07
